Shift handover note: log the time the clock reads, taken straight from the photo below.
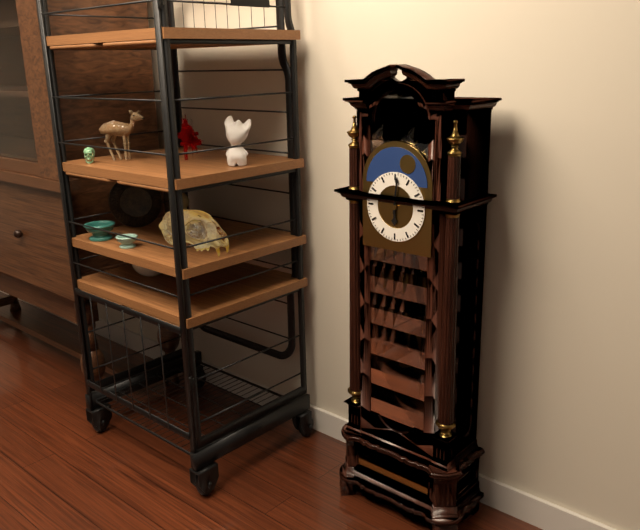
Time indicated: 6:01
